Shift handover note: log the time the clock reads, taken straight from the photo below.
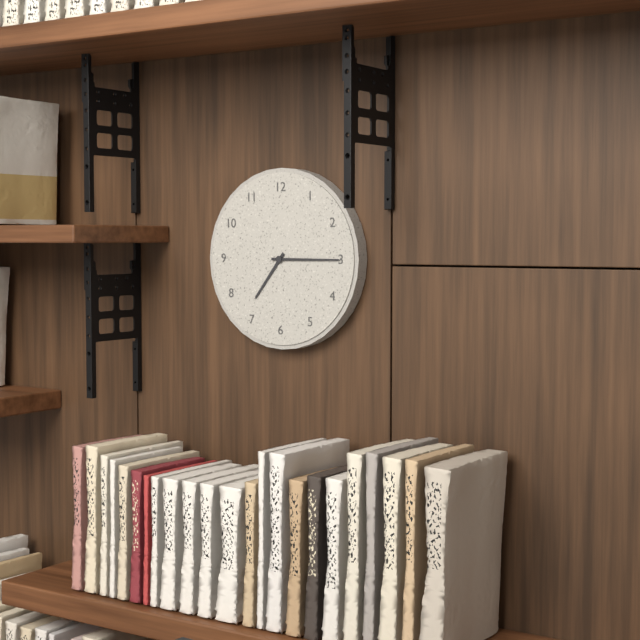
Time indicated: 7:15
